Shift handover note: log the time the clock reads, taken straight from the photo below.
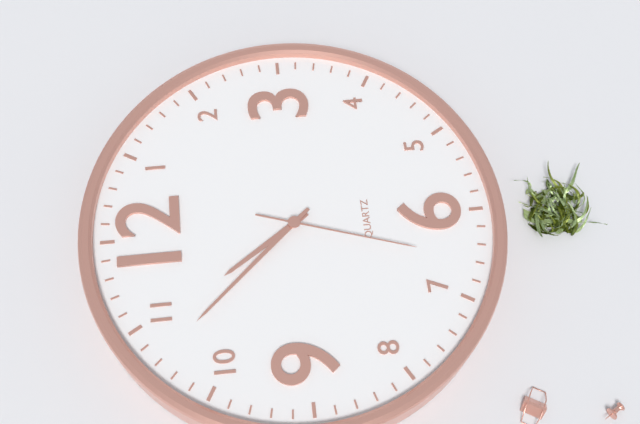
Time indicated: 10:53:33
